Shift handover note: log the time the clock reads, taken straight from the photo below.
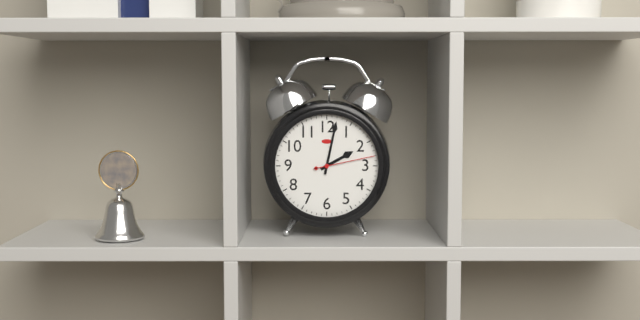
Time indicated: 2:02:13
